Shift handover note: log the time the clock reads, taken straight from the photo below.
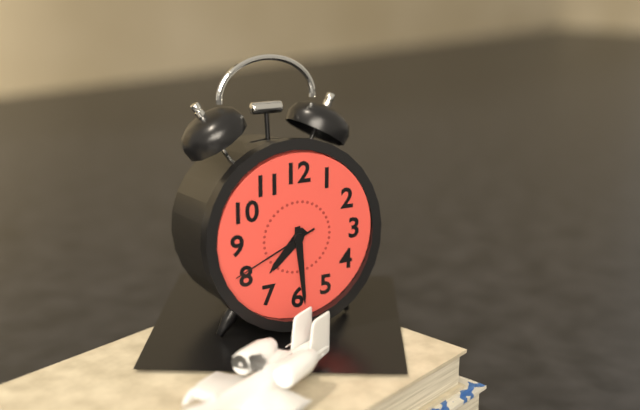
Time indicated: 7:29:41
